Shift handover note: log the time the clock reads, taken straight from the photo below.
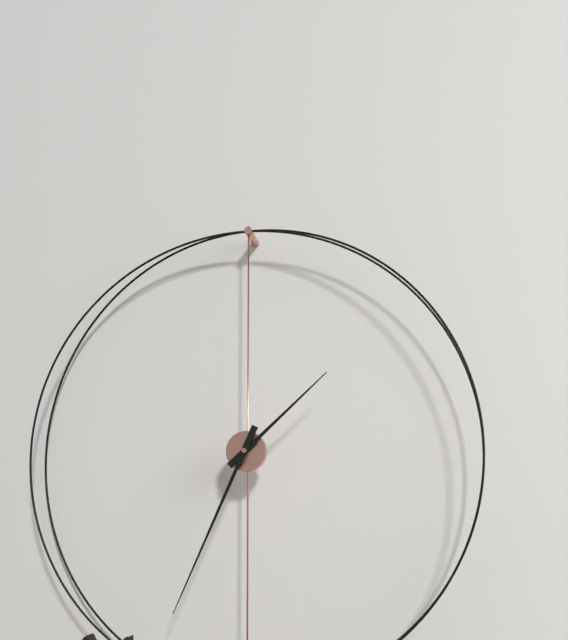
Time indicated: 1:34
